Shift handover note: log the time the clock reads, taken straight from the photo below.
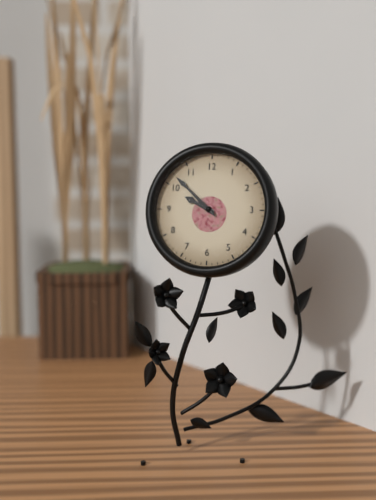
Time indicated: 9:52
